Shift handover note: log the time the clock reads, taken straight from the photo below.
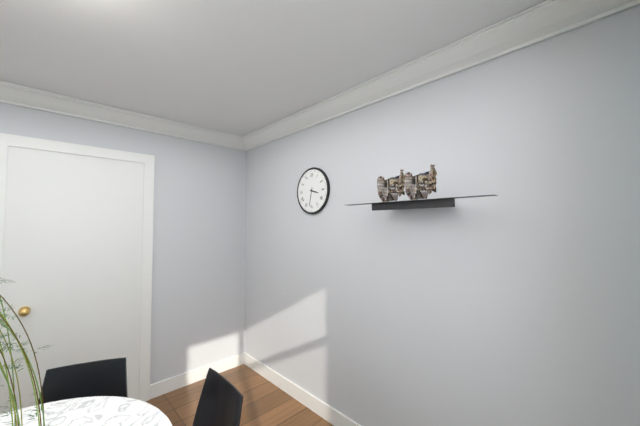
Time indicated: 3:32
